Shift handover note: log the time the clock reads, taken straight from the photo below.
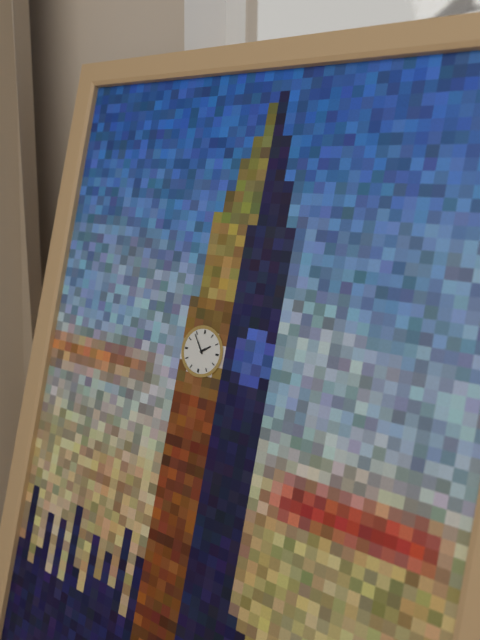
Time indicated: 1:54
